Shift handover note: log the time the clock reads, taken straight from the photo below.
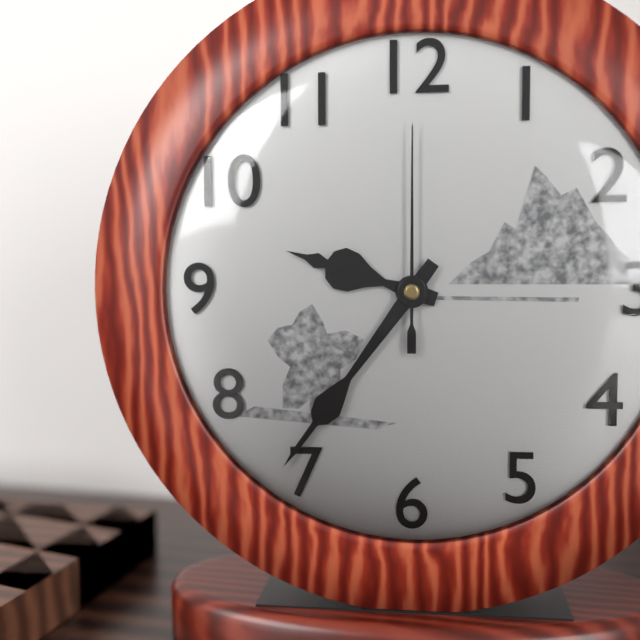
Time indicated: 9:36:00
